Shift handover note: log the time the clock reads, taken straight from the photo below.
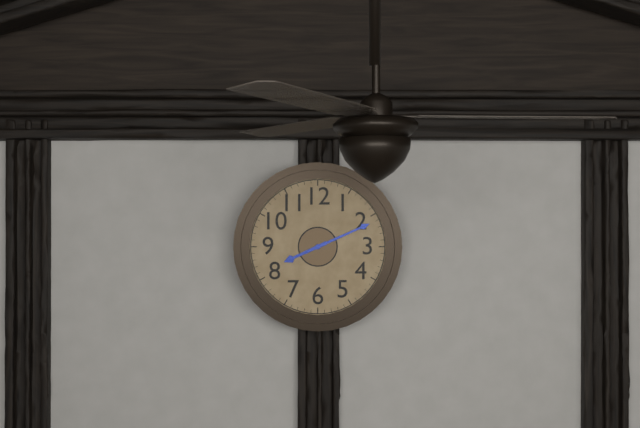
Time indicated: 8:11
